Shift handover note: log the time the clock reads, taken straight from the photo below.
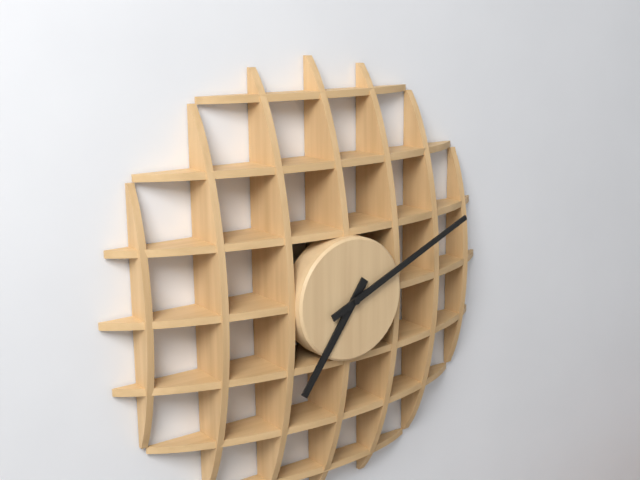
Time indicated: 7:11
